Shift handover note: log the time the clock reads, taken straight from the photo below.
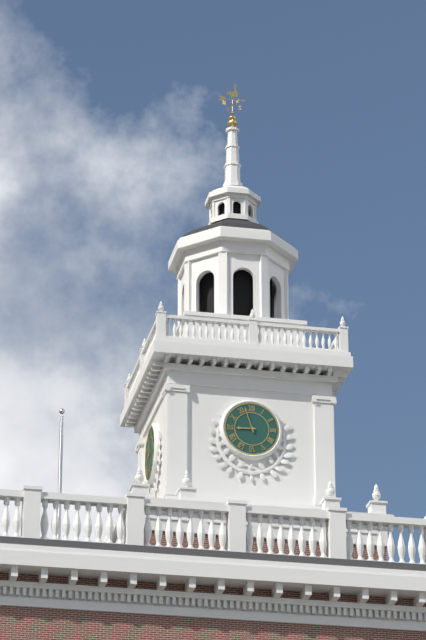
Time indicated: 8:57
